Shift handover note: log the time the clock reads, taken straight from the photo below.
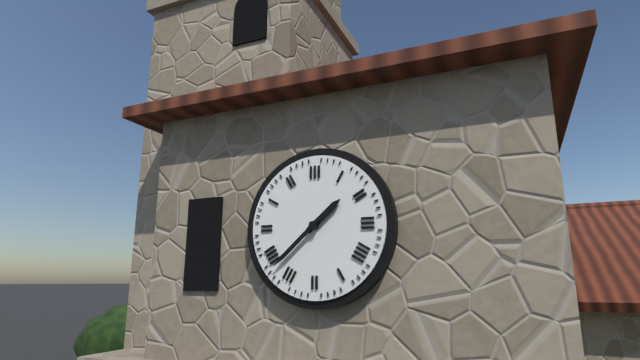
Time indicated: 1:38
